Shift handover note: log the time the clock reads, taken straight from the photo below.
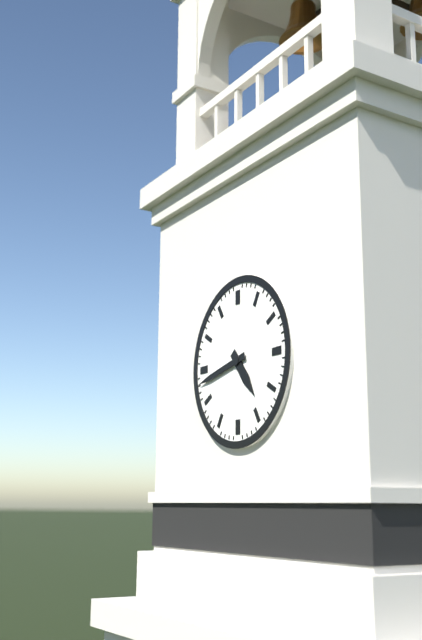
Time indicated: 4:43
